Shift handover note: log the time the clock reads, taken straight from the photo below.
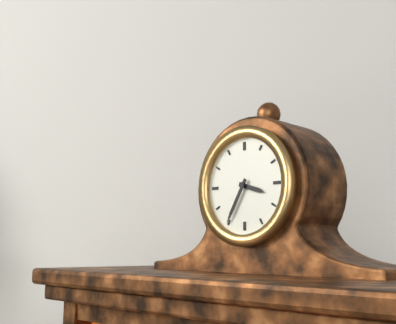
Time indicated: 3:35
